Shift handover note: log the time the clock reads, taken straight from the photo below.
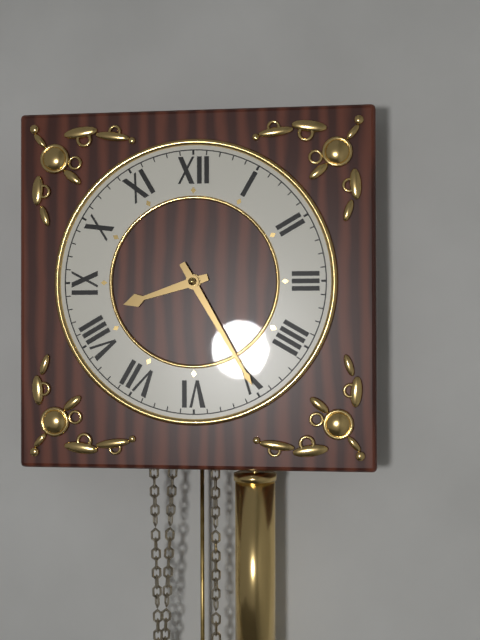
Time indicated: 8:25
